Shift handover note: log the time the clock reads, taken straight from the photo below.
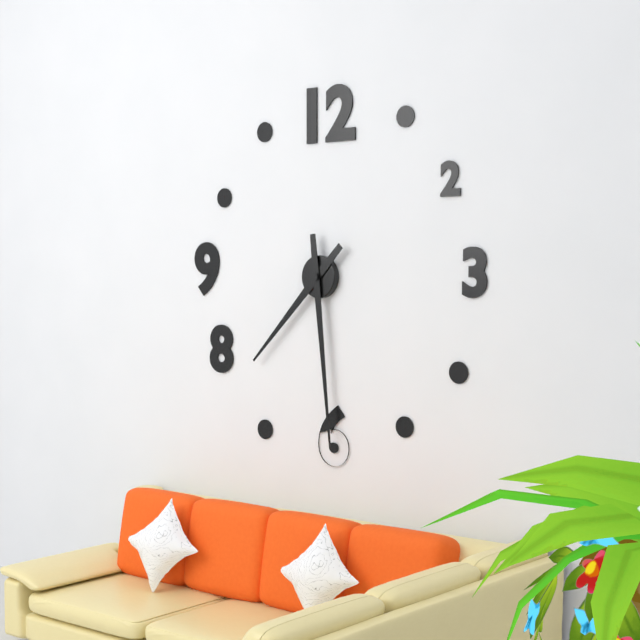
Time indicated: 7:29
